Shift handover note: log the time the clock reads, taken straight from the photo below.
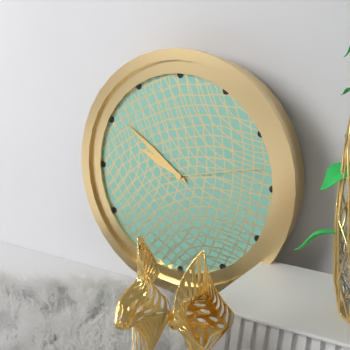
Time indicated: 9:51:13
